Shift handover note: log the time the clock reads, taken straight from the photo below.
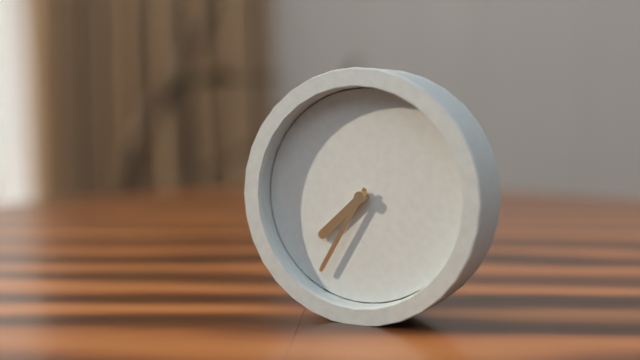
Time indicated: 7:35
